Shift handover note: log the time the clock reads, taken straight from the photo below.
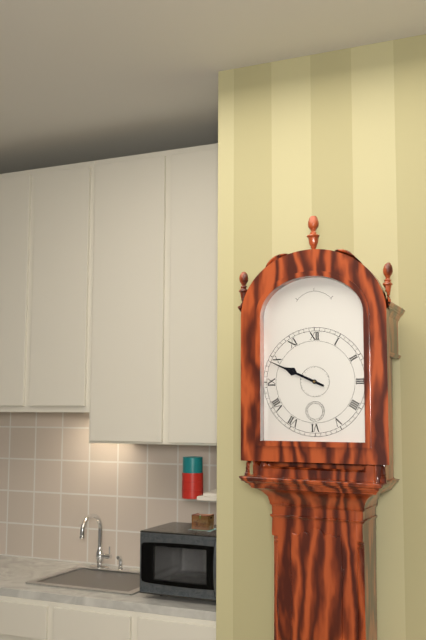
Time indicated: 9:49
